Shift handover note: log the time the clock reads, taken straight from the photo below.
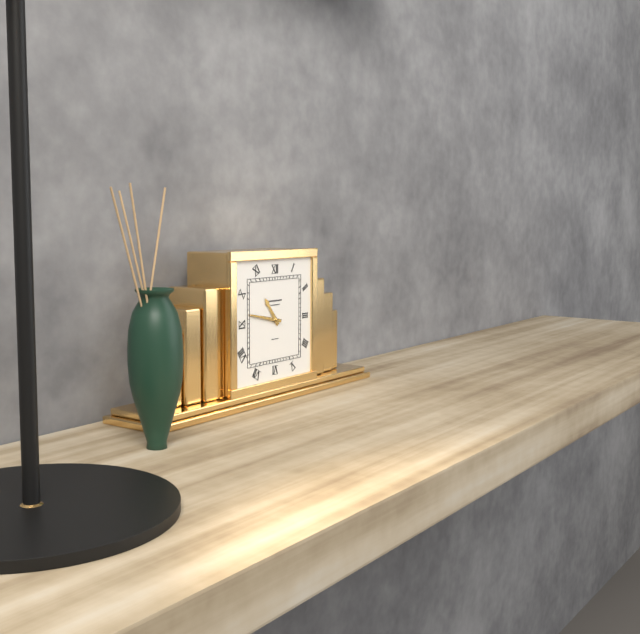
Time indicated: 10:47
